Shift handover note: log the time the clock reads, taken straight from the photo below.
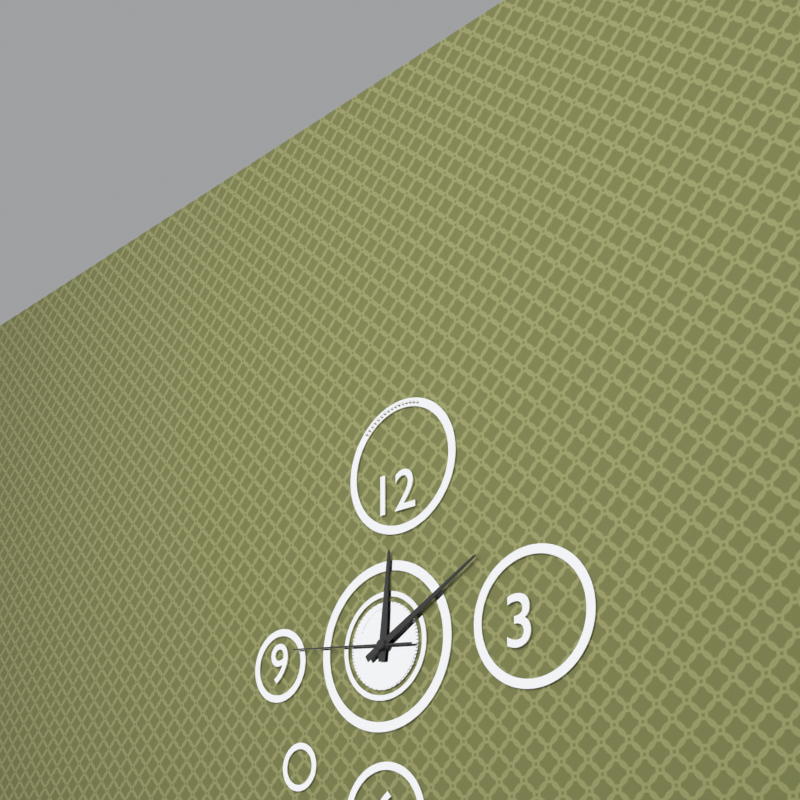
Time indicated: 12:10:46
